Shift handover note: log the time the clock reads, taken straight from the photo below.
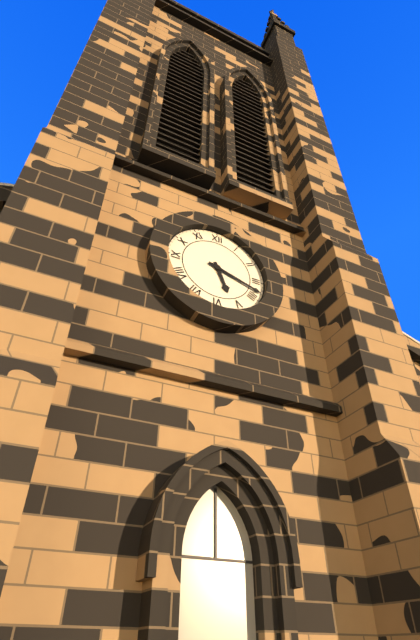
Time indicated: 5:18
